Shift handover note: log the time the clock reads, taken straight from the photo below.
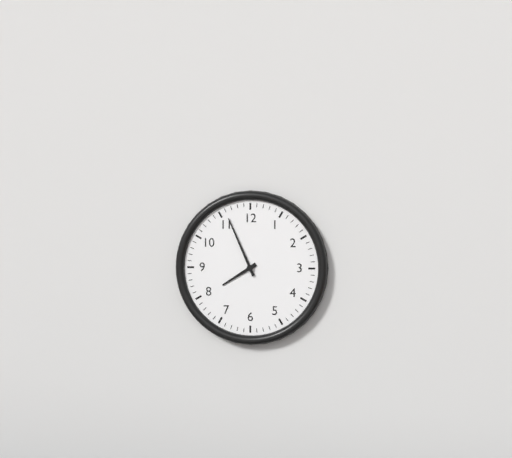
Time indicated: 7:56
